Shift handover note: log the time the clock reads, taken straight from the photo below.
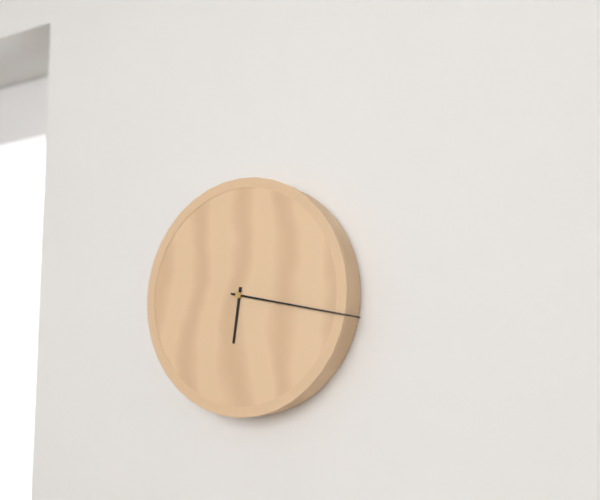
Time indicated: 6:17
